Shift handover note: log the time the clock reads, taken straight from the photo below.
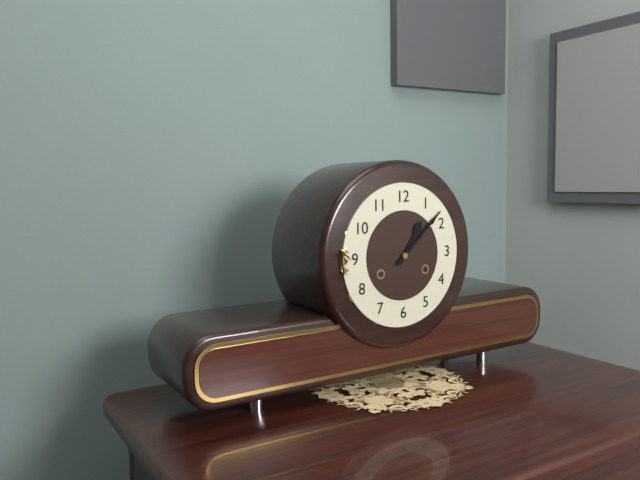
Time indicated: 1:08
